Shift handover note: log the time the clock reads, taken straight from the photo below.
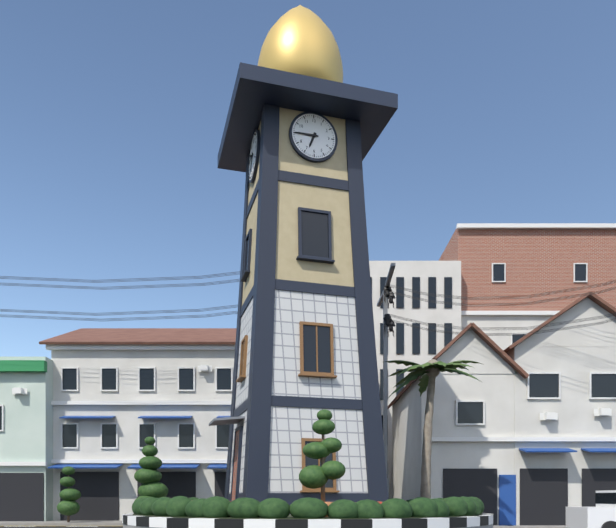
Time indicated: 6:45
